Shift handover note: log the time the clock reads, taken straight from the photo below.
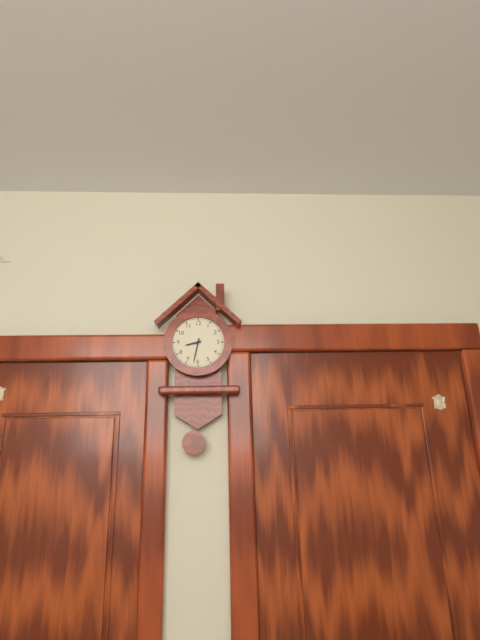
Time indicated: 8:32
